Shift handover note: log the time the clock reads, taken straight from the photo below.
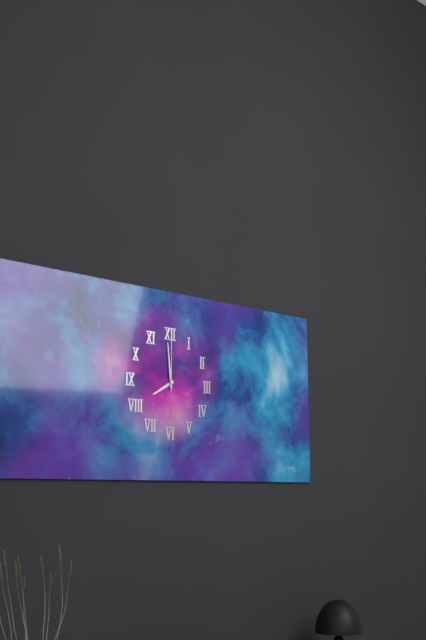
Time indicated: 7:59:00
